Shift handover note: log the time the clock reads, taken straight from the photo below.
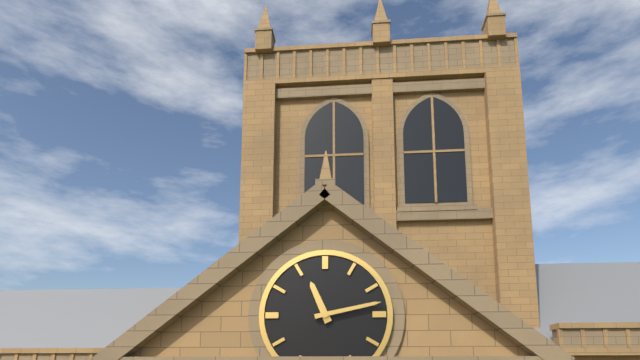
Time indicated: 11:13
